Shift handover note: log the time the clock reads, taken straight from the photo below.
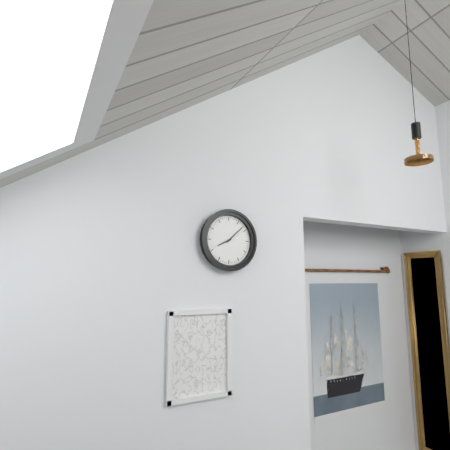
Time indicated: 8:08
